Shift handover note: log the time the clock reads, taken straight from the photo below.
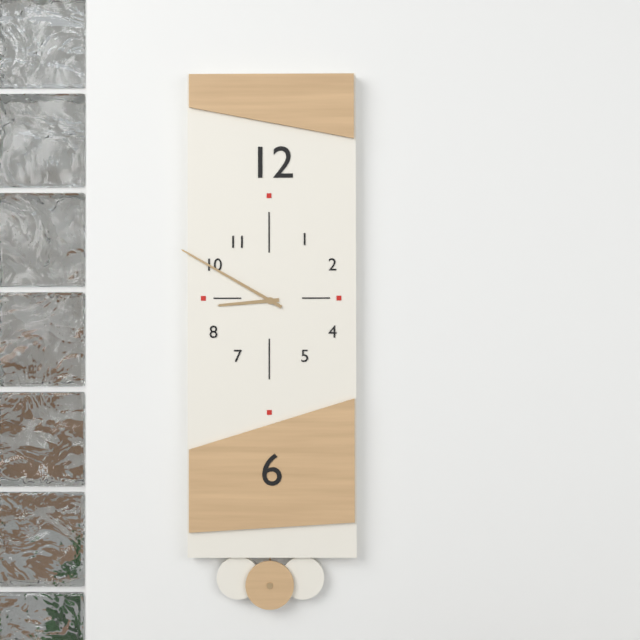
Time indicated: 8:50
